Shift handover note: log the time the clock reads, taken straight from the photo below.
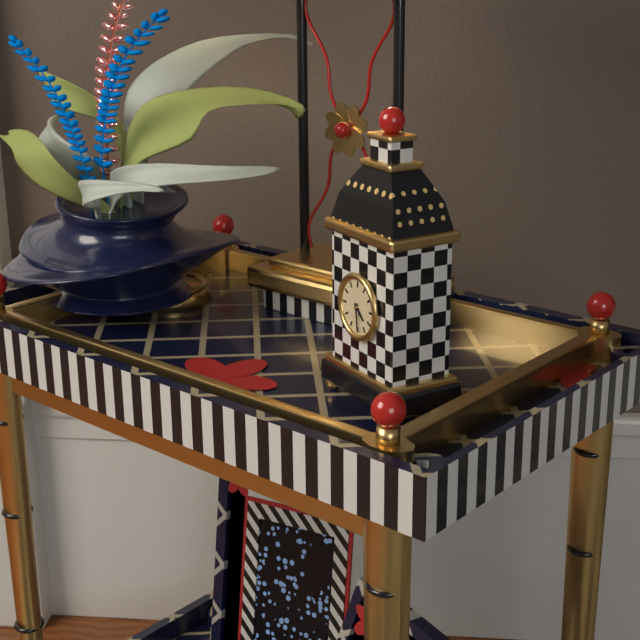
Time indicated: 4:29
